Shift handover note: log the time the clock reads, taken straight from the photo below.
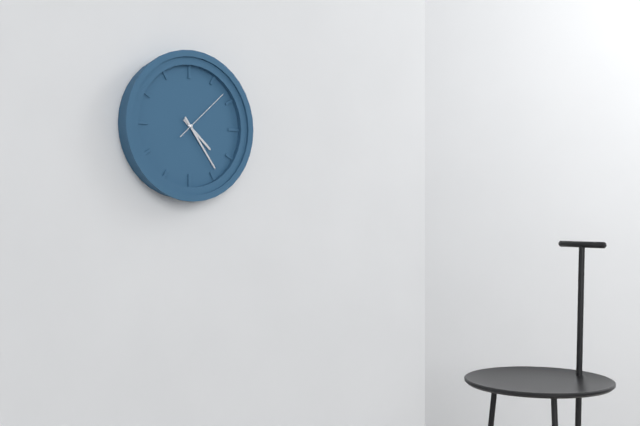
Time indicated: 4:24:08
